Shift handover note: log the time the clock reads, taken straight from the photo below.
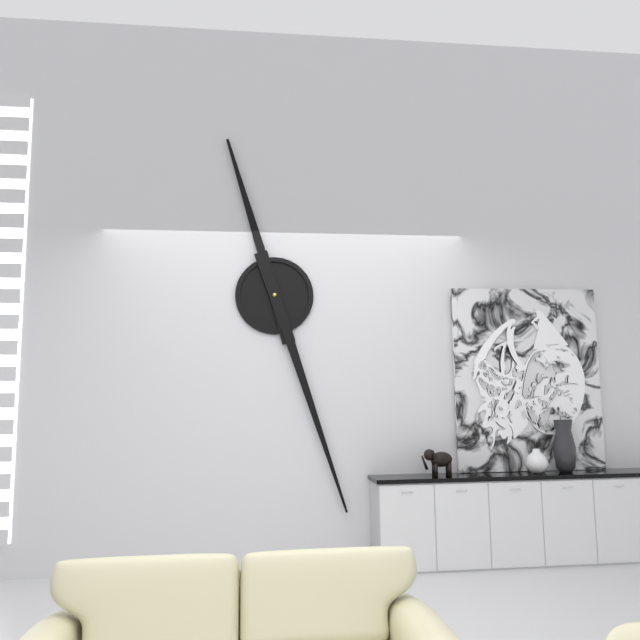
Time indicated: 11:27
